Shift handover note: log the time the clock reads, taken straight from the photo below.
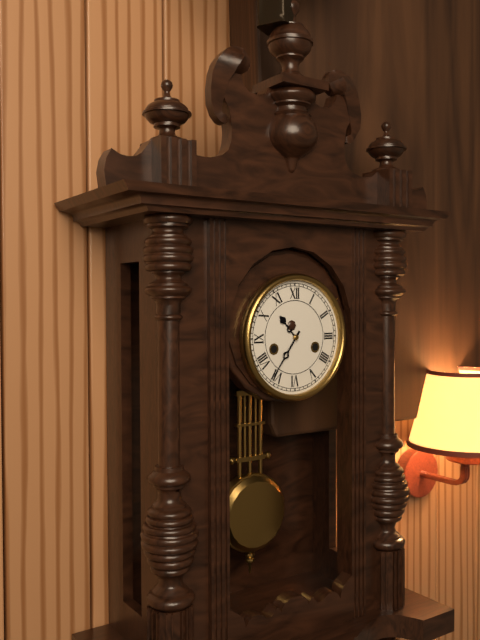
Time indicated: 10:36
